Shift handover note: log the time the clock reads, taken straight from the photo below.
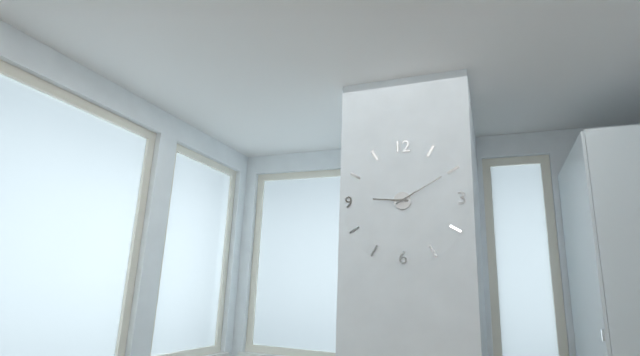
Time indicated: 9:10
